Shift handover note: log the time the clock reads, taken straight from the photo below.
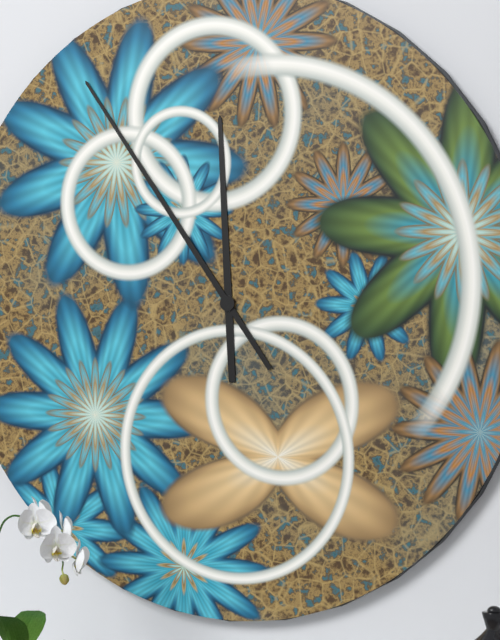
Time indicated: 11:54
